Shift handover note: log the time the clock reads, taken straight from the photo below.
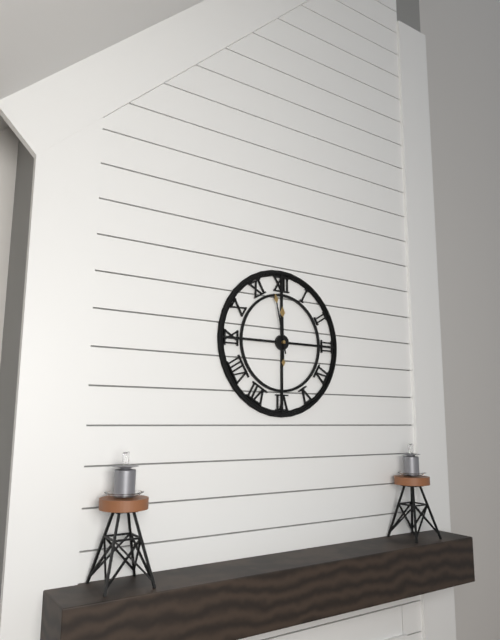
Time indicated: 11:58
